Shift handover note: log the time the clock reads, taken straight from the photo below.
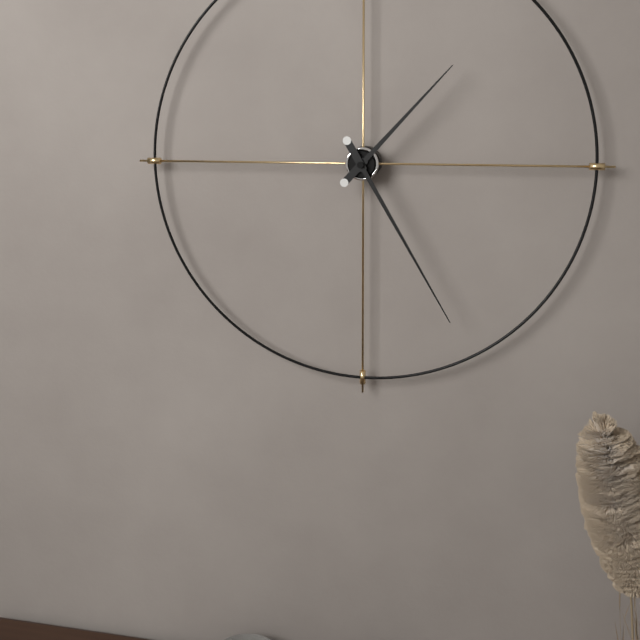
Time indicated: 1:25
